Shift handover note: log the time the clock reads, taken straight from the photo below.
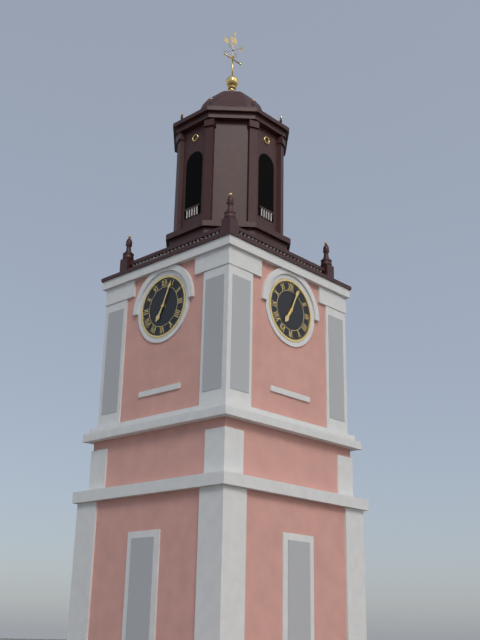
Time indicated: 7:04
